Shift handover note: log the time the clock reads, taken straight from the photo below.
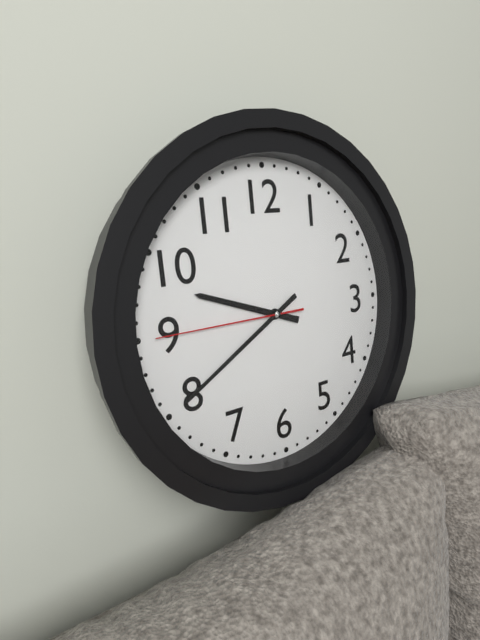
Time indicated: 9:40:45
